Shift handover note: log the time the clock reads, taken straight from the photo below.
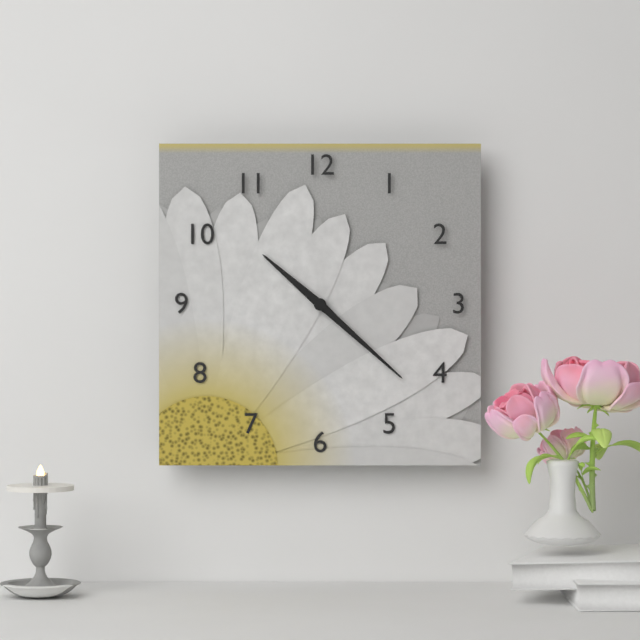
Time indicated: 10:22
